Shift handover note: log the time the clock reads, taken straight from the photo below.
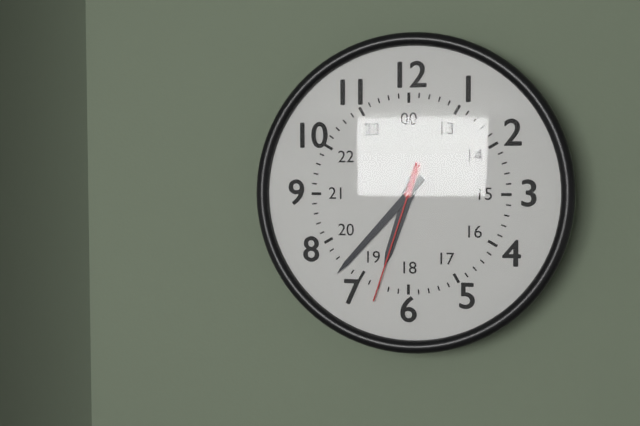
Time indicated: 6:37:33
